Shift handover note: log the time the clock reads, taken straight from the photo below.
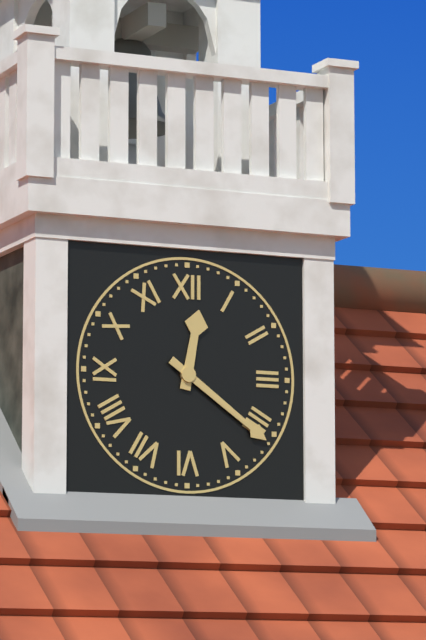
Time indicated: 12:21
